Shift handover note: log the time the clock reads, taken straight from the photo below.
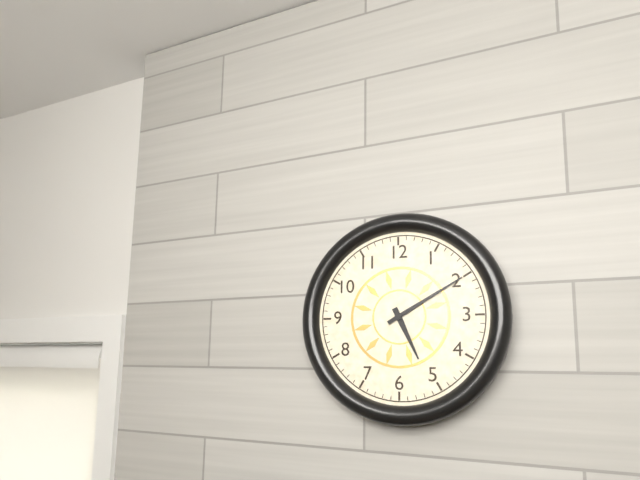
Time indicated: 5:10
